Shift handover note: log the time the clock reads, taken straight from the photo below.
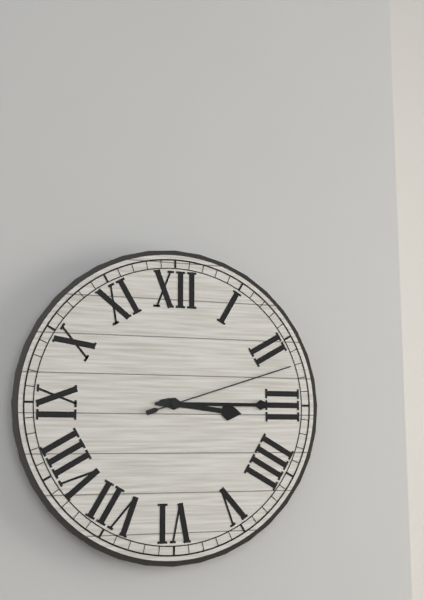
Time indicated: 3:15:12
